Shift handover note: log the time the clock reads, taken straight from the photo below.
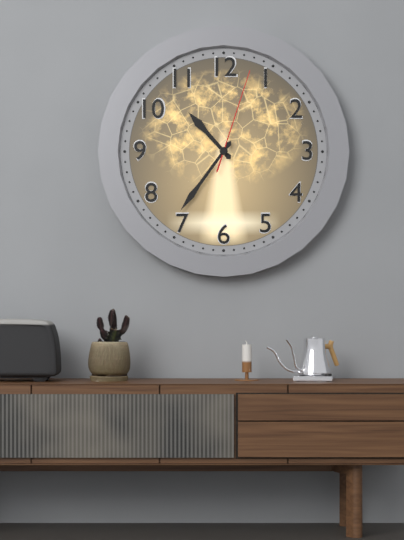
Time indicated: 10:36:03
